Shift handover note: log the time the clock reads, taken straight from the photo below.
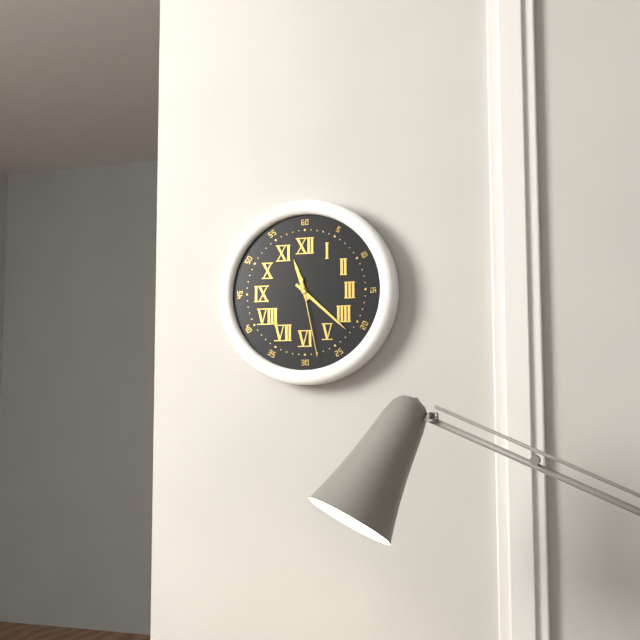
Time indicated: 11:22:28
